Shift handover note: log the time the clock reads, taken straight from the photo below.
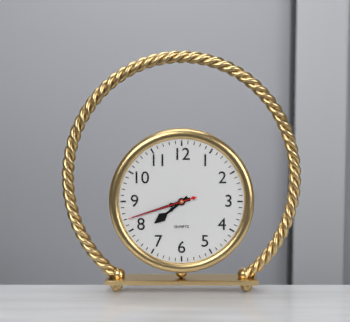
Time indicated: 7:42:42
